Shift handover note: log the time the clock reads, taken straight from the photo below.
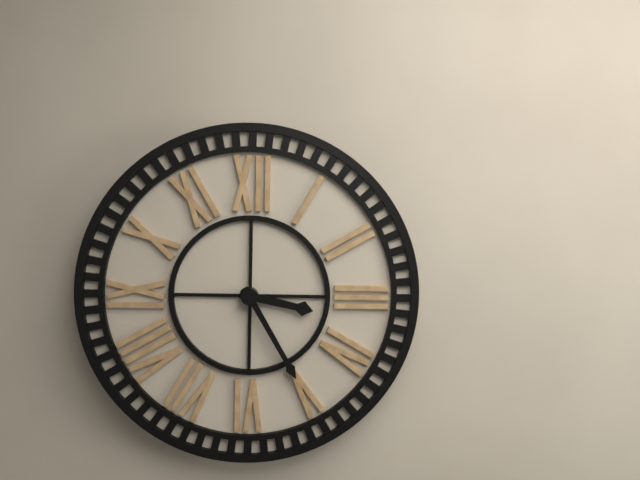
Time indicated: 3:25
